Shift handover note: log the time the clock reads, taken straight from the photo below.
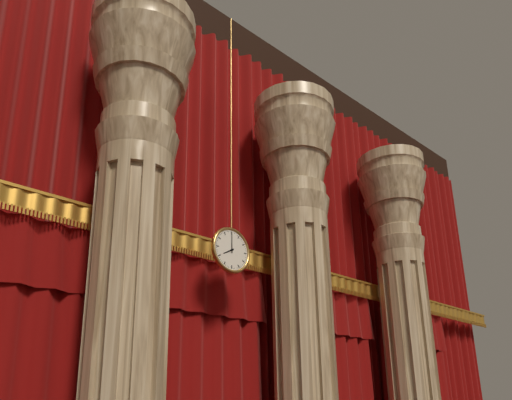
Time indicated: 8:00
